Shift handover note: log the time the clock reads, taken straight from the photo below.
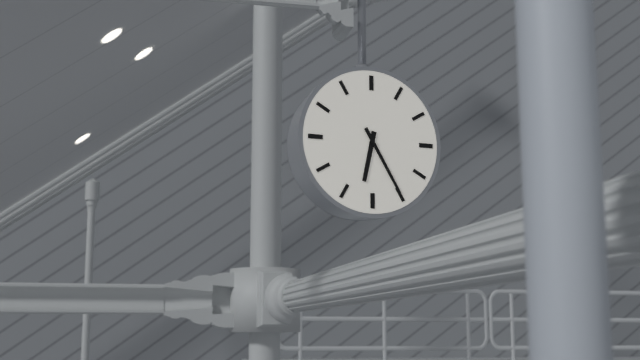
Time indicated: 6:25
